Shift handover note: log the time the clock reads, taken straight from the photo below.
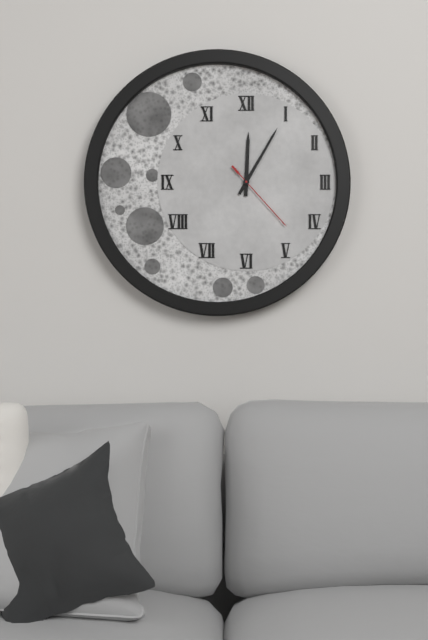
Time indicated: 12:05:23
